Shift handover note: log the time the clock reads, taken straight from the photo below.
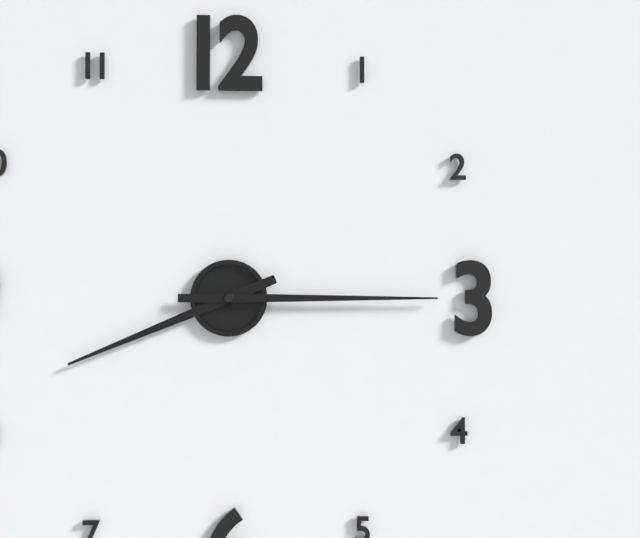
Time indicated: 8:15
